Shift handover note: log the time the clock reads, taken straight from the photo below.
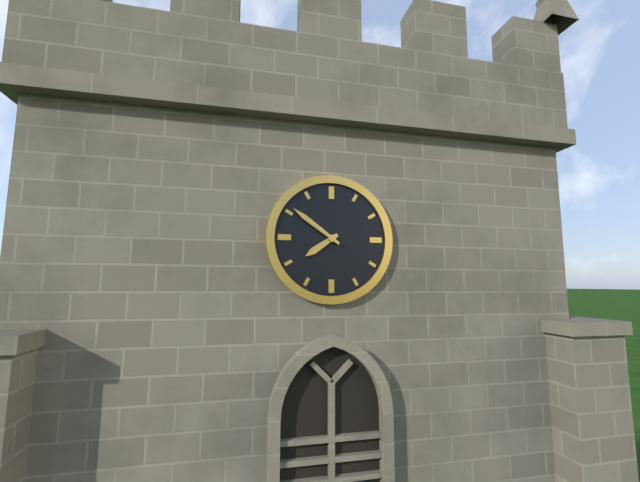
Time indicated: 7:51
